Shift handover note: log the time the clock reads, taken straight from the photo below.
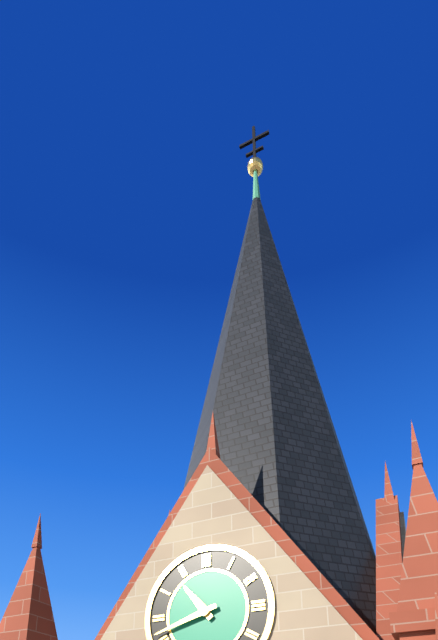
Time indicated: 10:42
